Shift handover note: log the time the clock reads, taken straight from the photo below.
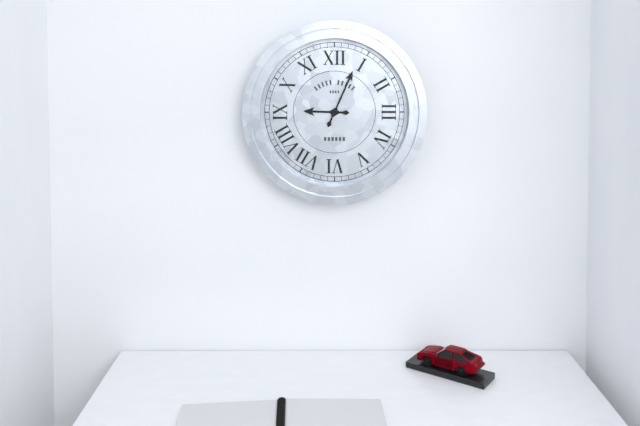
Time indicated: 9:04
